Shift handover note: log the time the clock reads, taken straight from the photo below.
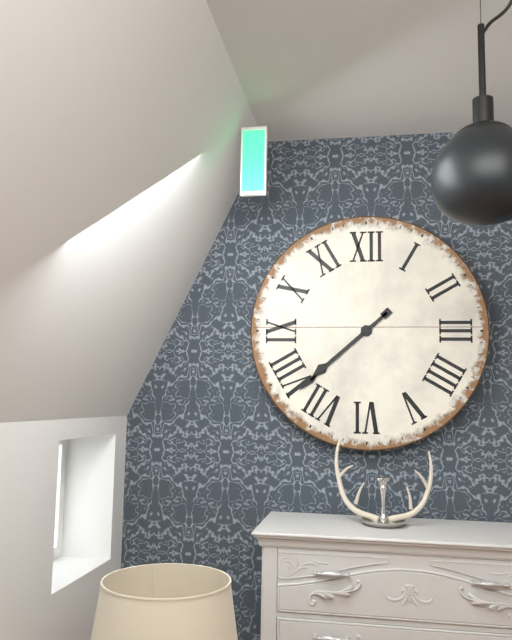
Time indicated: 7:38
